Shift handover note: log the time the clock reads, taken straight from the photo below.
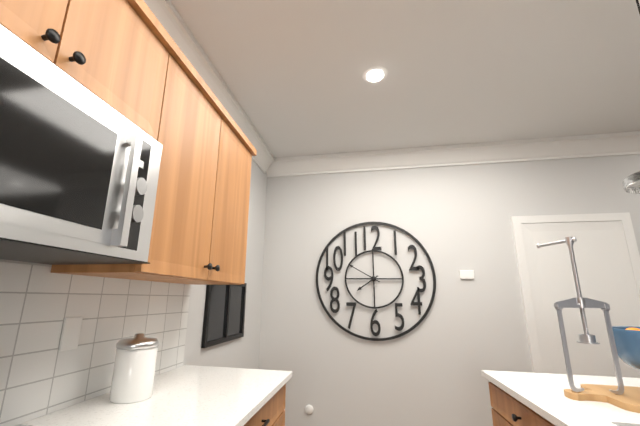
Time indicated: 7:50
